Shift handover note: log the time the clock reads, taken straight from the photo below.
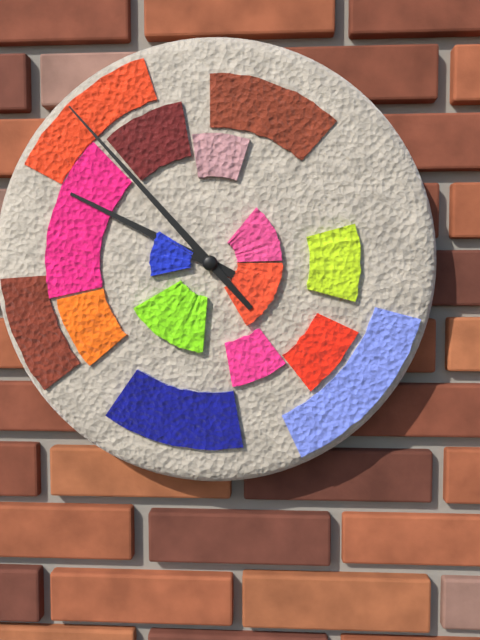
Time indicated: 9:53
